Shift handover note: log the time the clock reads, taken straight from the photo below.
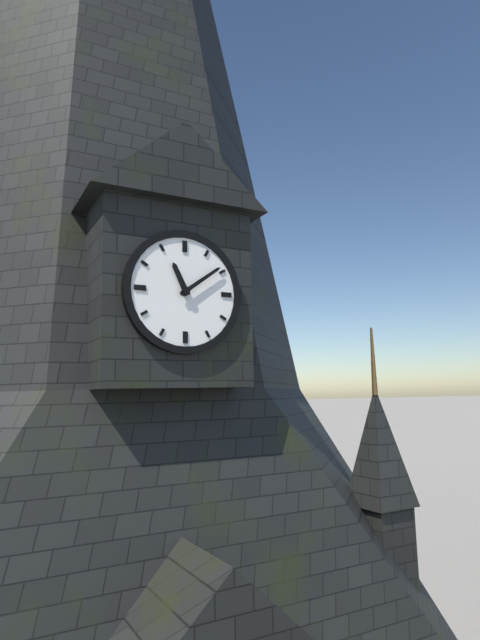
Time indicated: 11:09
